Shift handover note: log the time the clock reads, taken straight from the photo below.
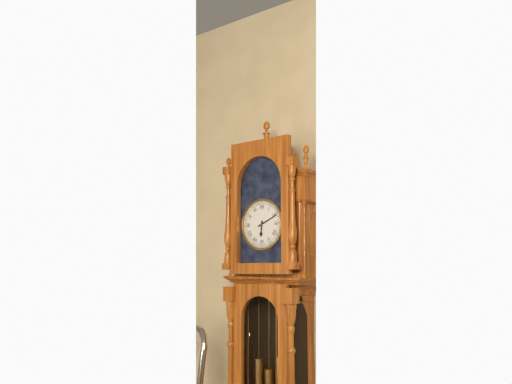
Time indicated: 6:11
